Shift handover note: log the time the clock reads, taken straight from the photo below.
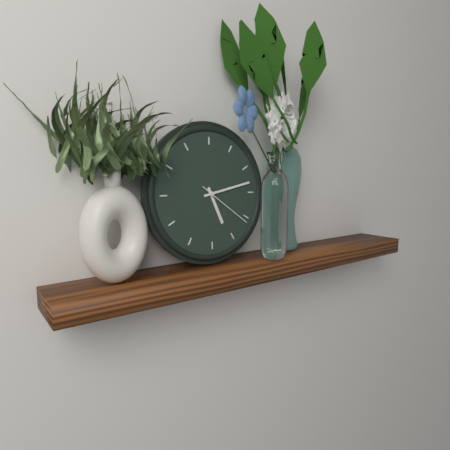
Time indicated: 5:13:21
